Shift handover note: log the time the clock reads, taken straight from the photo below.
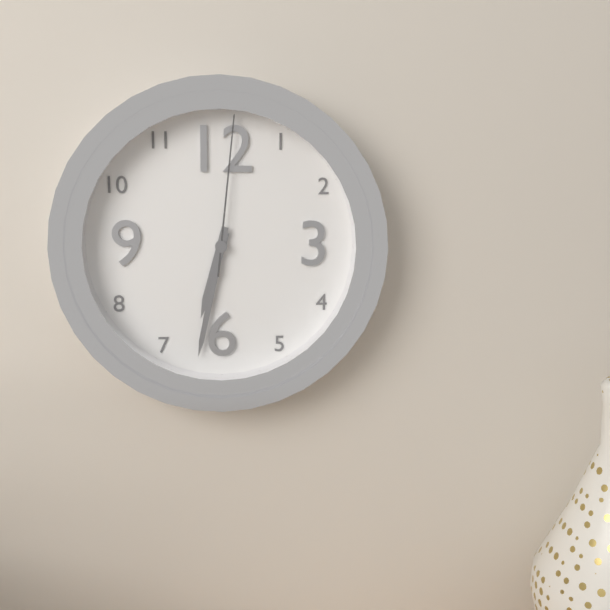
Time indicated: 6:32:01
